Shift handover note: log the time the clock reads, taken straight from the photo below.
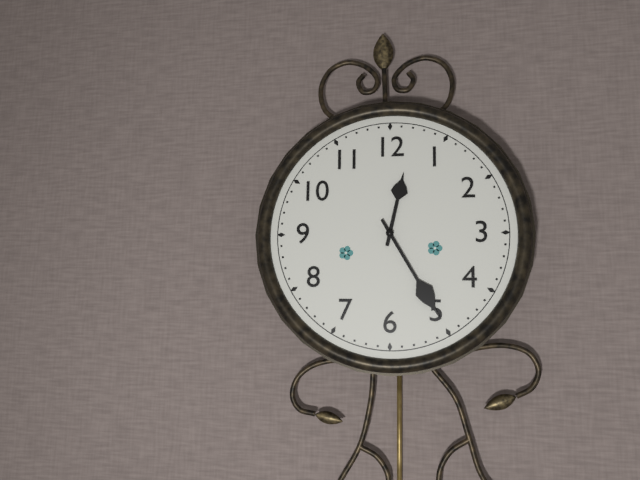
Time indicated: 12:25
